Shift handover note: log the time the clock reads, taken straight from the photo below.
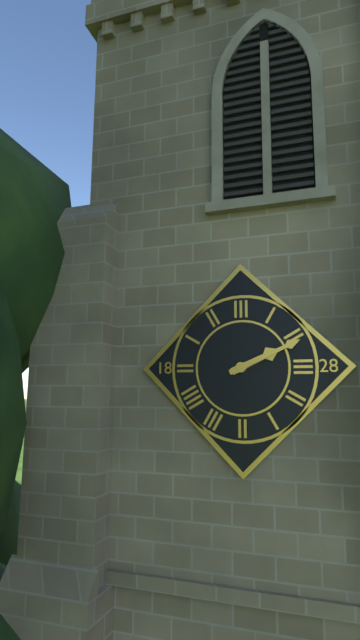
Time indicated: 2:11
